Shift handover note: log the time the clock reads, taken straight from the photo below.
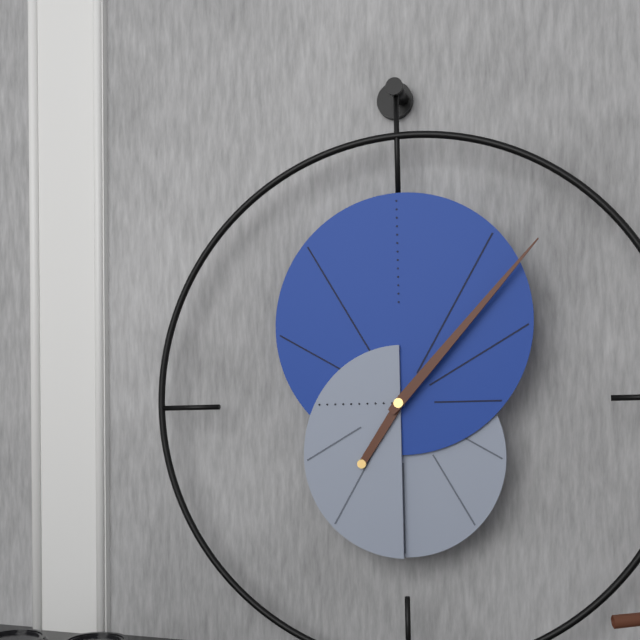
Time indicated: 7:07
